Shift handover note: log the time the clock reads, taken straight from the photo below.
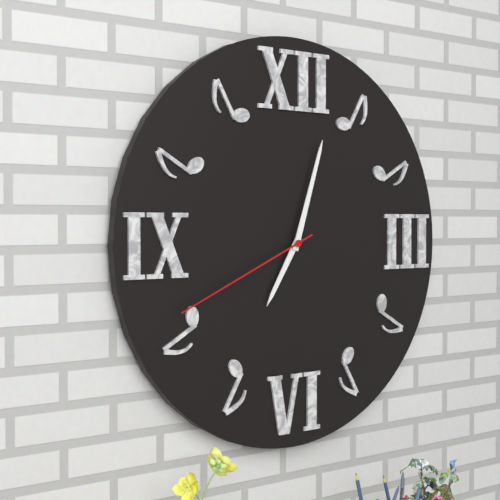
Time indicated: 7:03:41
